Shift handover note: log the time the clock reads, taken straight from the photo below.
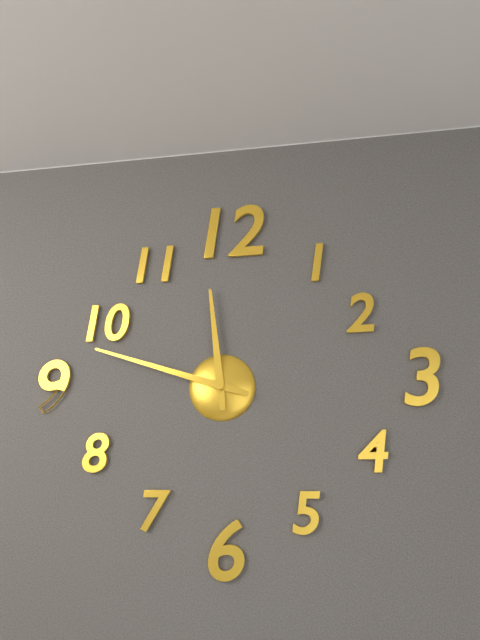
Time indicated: 11:48
